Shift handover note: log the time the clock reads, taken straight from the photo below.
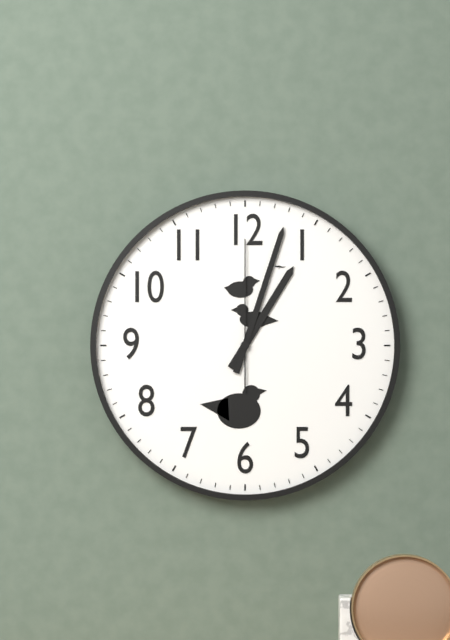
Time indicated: 1:03:00
